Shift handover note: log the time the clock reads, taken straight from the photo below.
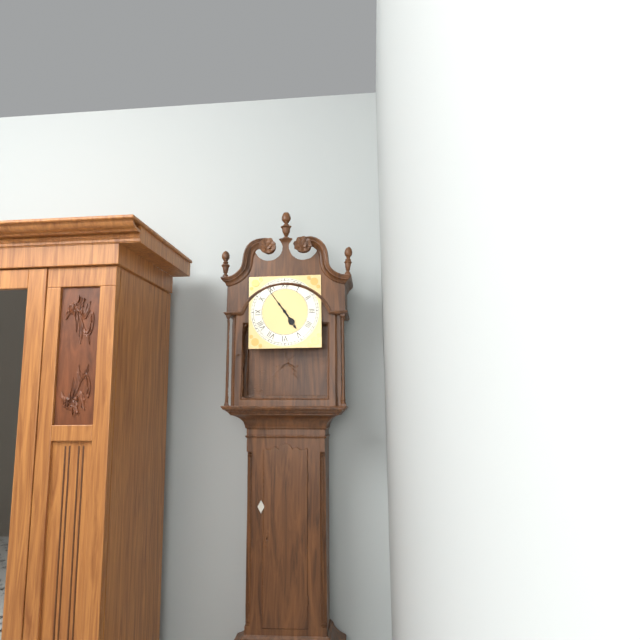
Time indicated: 4:54
